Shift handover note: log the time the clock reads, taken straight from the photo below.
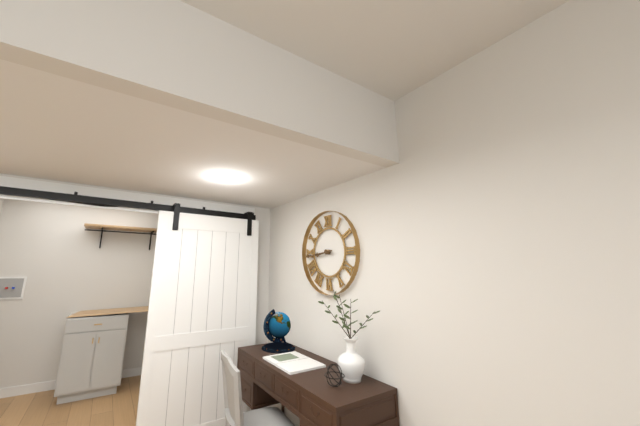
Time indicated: 8:44
